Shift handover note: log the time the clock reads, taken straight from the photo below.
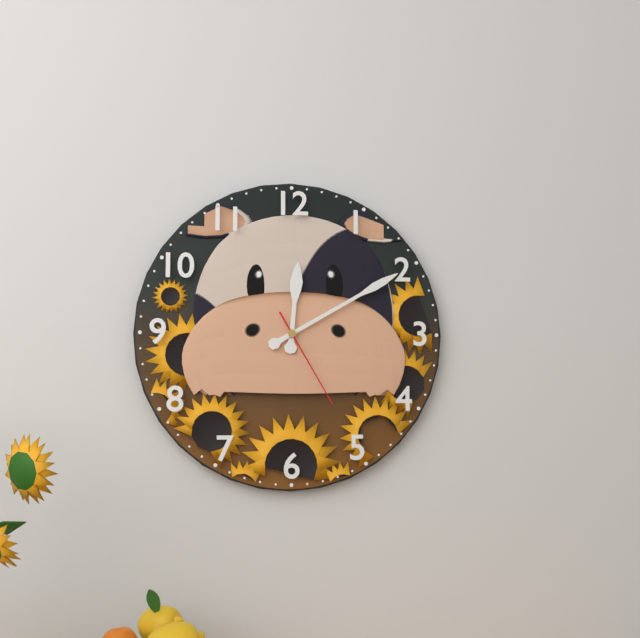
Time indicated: 12:10:25
